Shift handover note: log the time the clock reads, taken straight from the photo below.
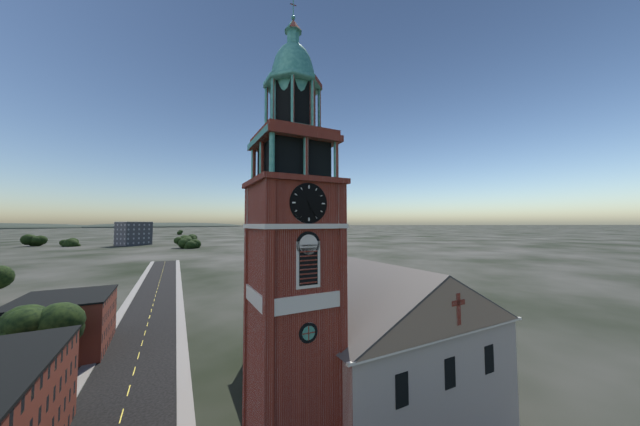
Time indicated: 5:25
